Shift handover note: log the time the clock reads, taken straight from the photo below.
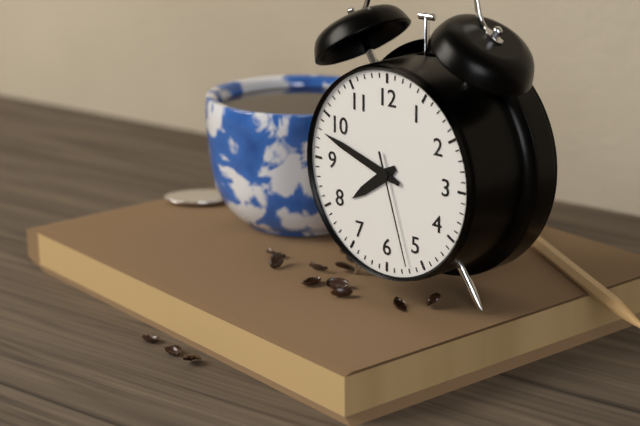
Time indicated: 7:48:27
